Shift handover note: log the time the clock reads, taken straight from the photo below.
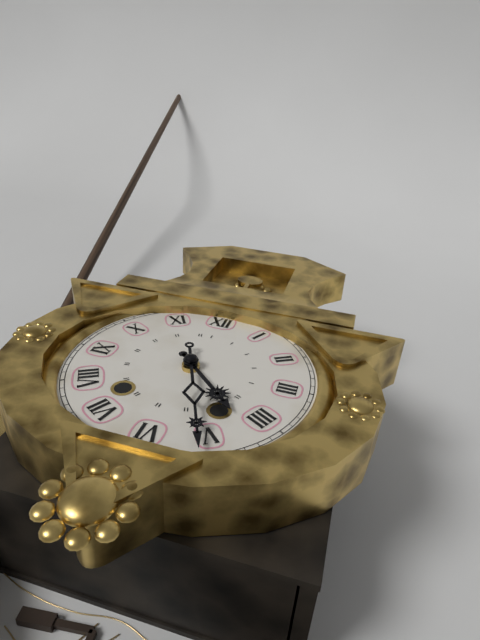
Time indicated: 4:26
